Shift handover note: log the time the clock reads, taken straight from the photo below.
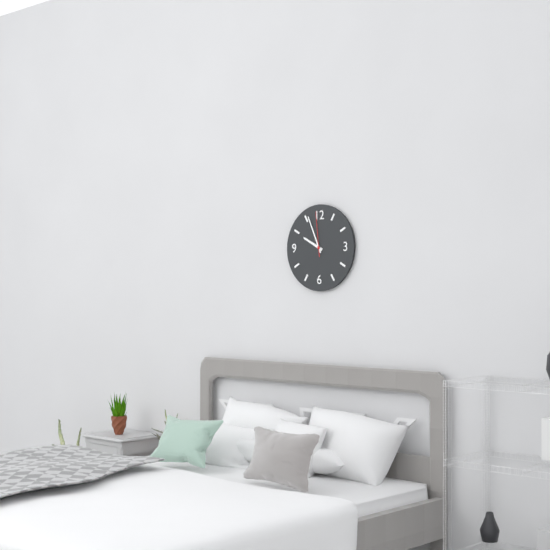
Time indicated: 9:56
